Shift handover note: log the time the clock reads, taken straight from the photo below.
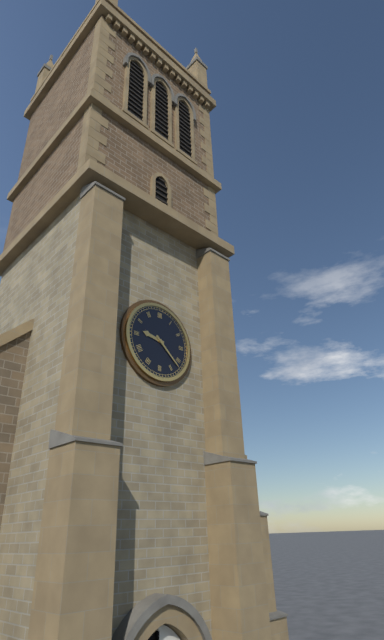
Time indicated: 9:22
